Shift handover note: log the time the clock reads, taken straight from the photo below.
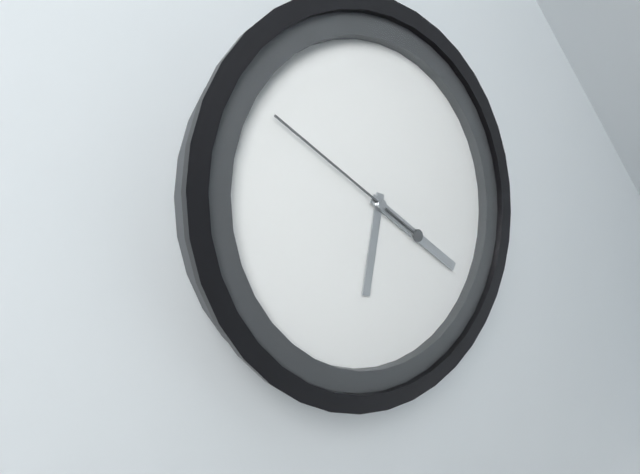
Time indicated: 6:20:50
